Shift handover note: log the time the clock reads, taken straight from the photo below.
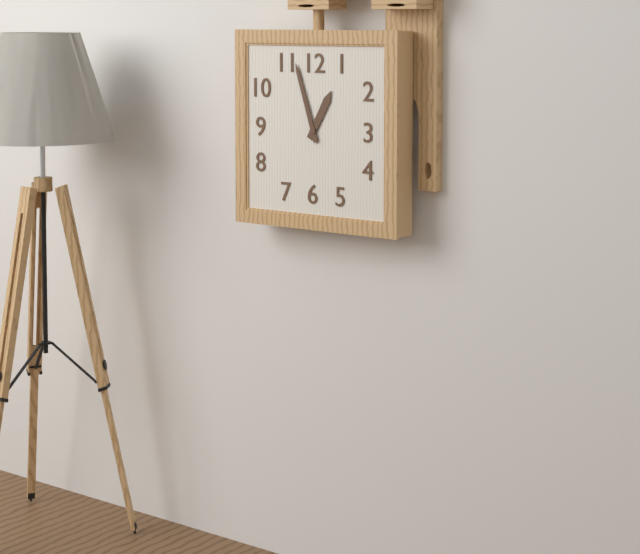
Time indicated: 12:57
